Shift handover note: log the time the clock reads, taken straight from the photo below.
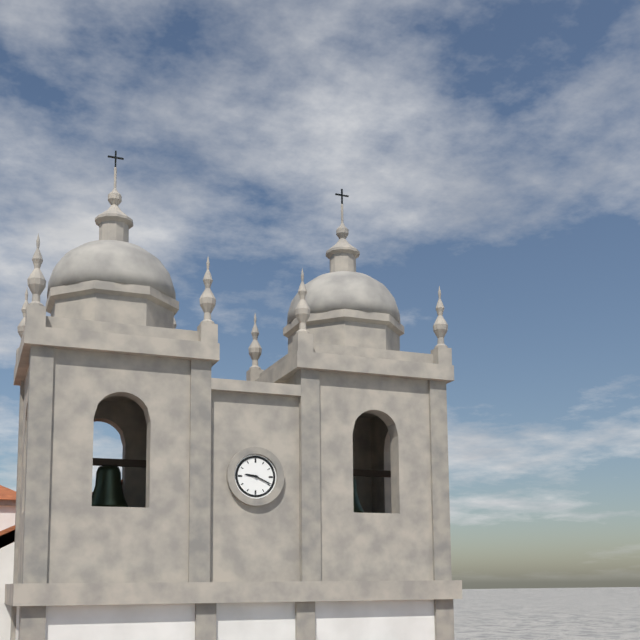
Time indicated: 9:19
